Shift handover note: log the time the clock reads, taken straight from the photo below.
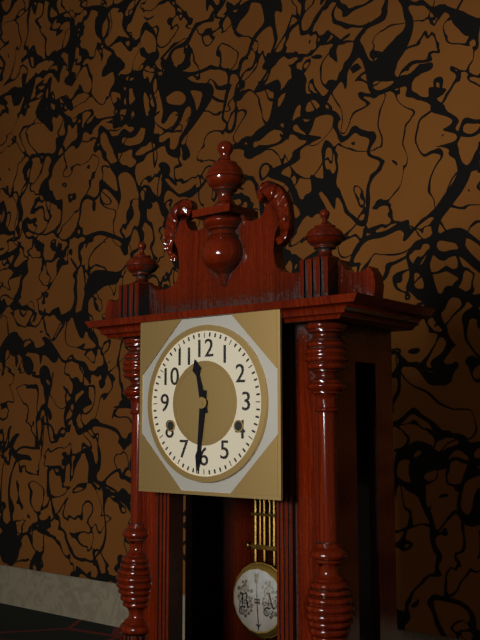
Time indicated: 11:31
